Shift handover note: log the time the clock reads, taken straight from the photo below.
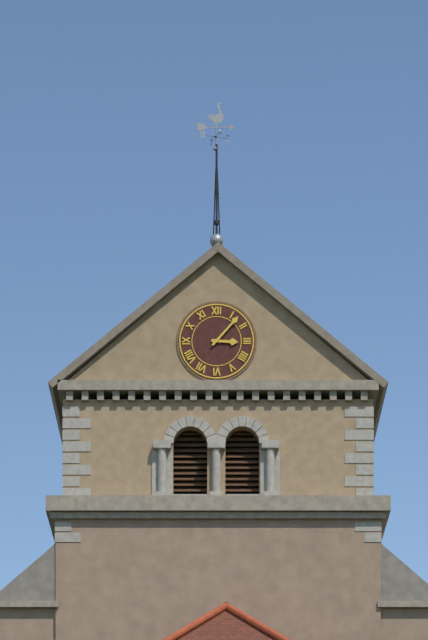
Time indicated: 3:07
